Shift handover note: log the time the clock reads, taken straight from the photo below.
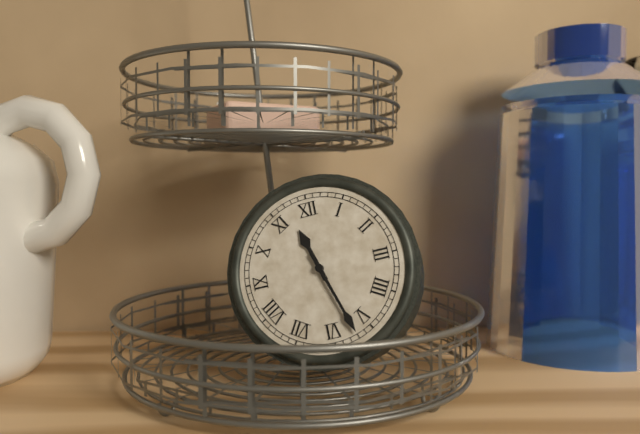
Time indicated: 11:27
